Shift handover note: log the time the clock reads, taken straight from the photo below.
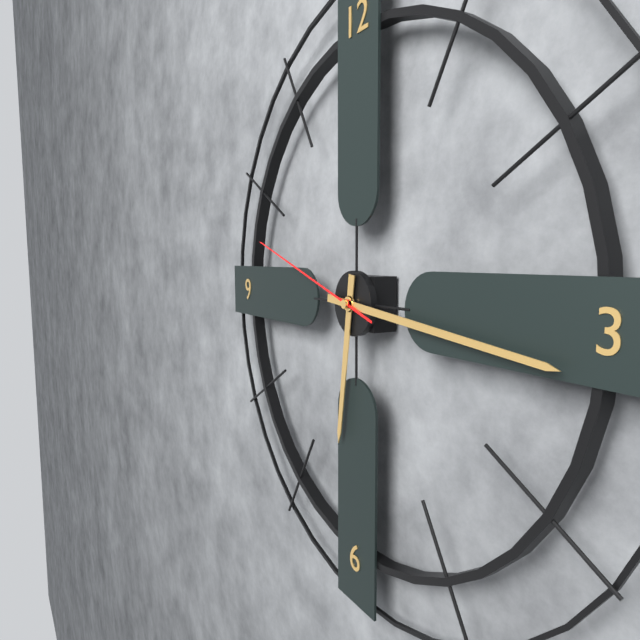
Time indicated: 6:16:48
